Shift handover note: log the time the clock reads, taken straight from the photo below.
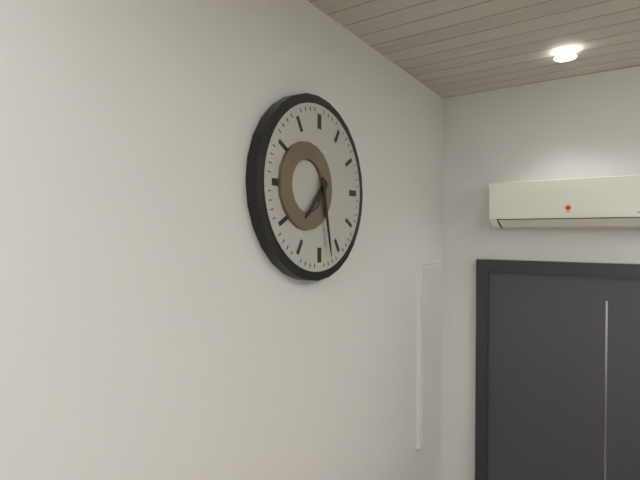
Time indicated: 7:28
